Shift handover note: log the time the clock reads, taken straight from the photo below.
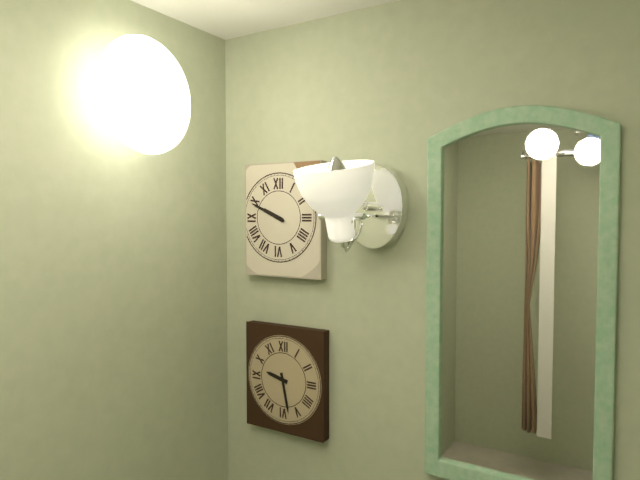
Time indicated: 9:49
